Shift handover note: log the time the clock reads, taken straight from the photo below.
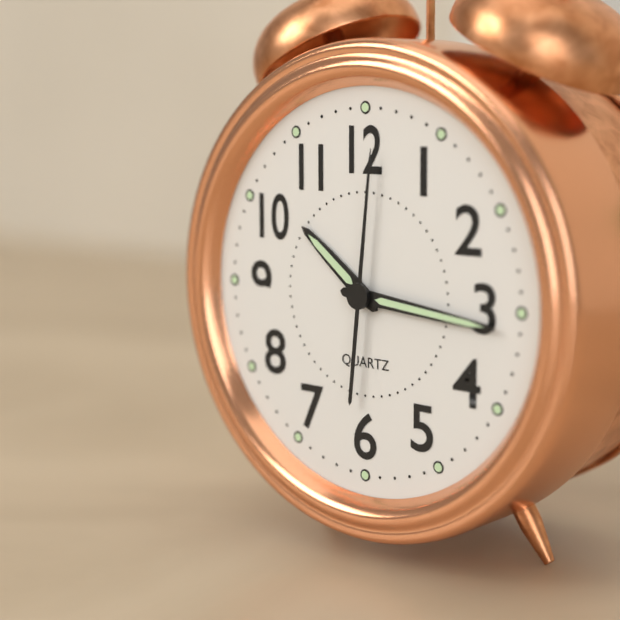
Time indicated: 10:16:01
